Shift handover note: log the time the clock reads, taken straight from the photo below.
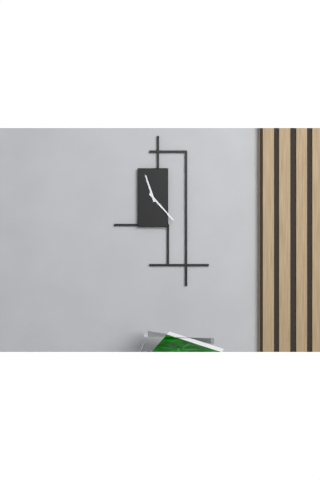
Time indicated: 11:23
